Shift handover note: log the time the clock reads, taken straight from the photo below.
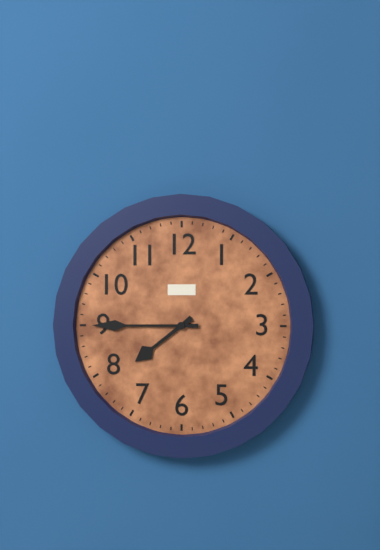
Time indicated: 7:45
